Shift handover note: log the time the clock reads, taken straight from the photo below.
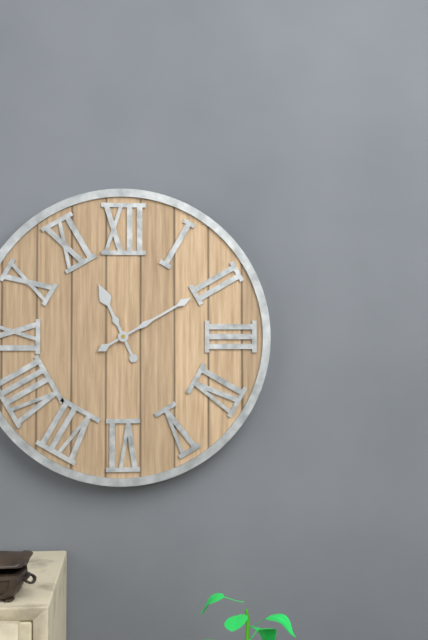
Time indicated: 11:10
